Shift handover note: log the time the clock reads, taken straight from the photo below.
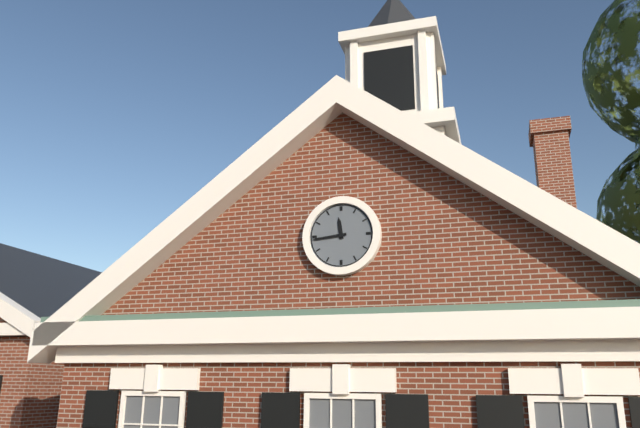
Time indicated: 11:44
